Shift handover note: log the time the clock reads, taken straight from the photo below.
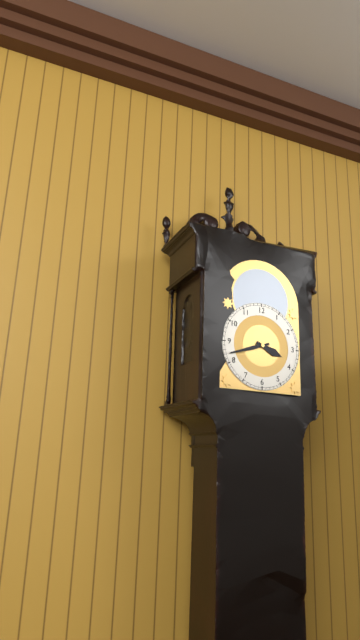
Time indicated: 3:42
